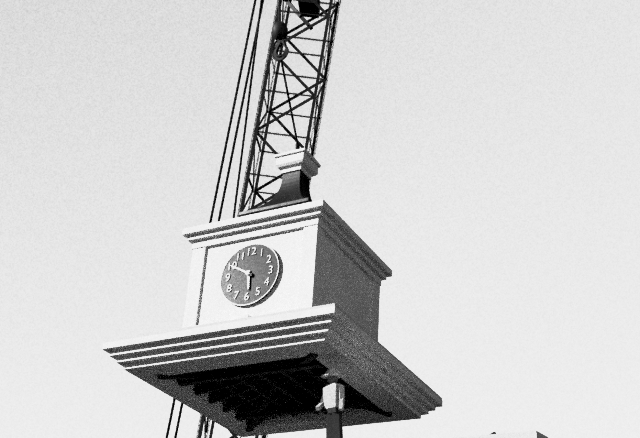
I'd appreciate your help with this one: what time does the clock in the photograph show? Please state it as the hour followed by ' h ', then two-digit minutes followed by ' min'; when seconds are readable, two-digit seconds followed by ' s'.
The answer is 5 h 50 min
